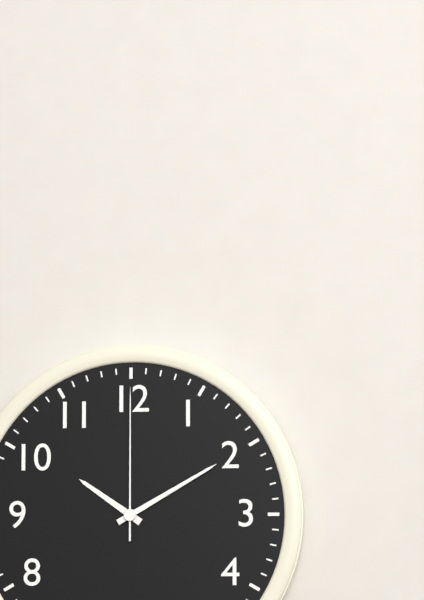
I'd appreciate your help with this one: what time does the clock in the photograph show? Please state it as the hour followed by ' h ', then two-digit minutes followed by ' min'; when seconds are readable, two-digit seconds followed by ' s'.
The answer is 10 h 10 min 00 s
